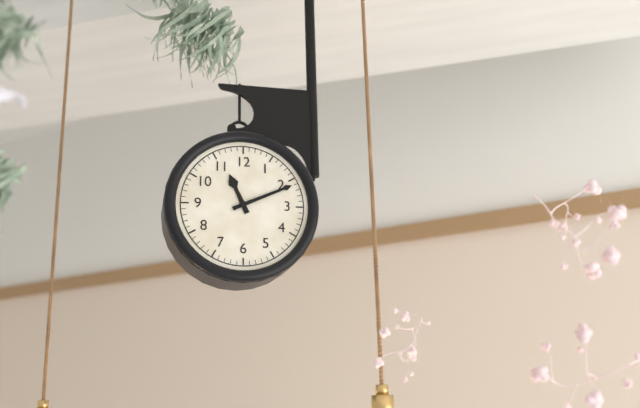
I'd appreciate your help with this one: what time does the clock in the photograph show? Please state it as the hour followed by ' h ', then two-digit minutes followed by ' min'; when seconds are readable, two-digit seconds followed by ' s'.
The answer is 11 h 11 min
